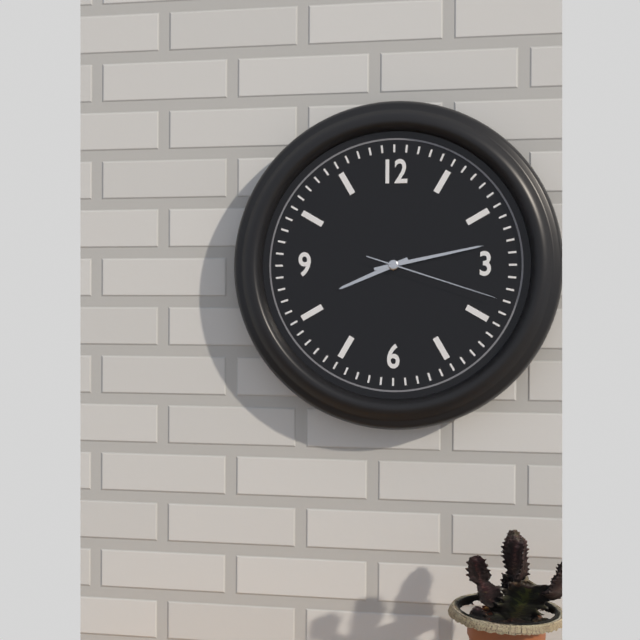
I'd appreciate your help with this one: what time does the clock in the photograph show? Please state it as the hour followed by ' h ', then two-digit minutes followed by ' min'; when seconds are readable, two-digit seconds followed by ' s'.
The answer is 8 h 13 min 18 s
